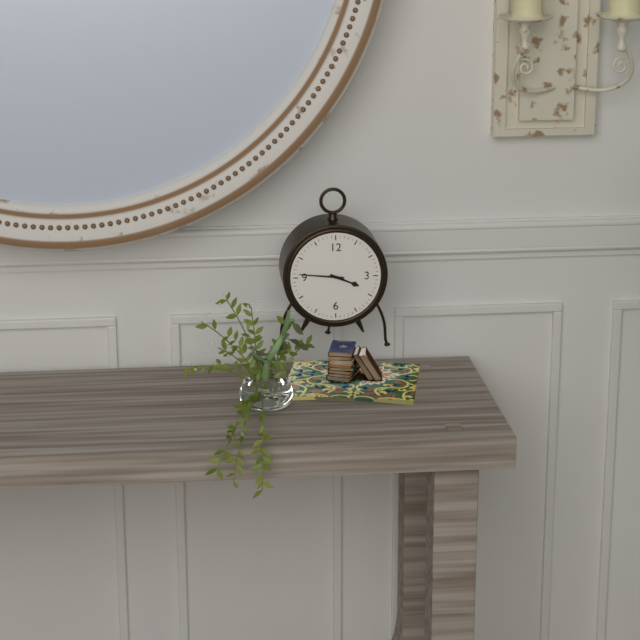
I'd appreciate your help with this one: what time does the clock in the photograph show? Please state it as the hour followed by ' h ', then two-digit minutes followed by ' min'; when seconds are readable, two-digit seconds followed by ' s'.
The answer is 3 h 46 min
